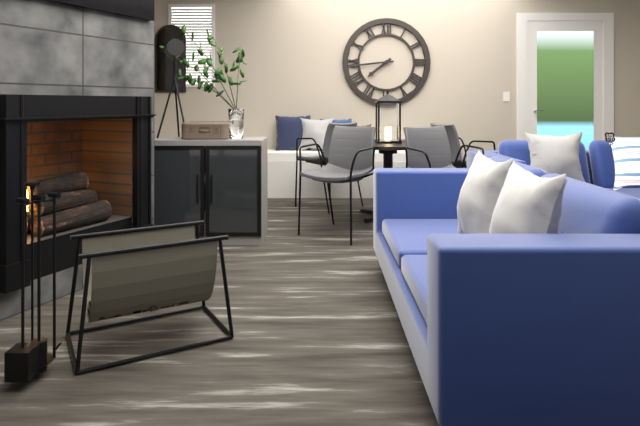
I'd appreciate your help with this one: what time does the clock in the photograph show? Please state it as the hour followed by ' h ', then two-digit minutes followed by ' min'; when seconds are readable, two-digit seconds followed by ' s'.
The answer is 7 h 44 min
